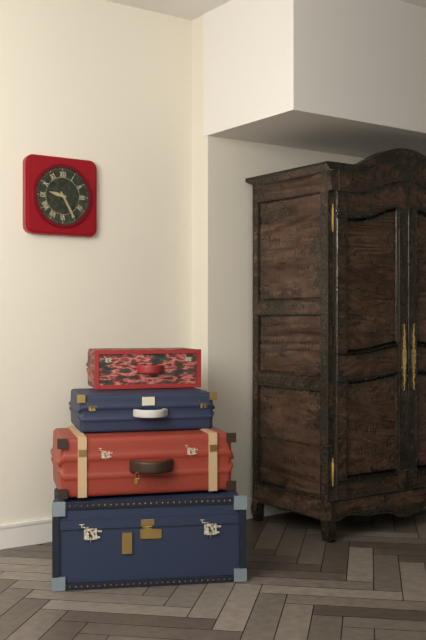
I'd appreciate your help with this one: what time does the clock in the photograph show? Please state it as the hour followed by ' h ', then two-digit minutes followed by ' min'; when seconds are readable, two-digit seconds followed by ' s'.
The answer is 9 h 25 min
